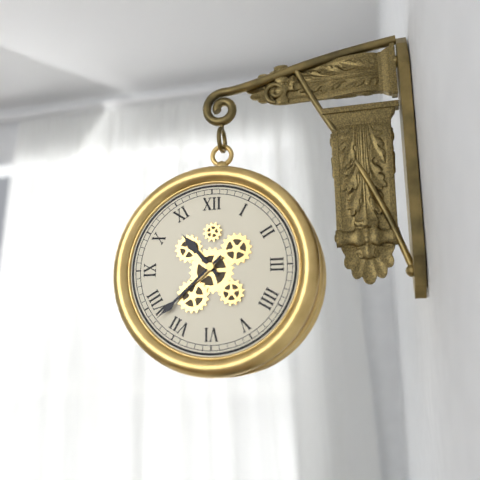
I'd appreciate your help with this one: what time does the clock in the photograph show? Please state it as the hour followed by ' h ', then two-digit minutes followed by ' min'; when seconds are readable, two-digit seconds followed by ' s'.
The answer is 10 h 38 min
